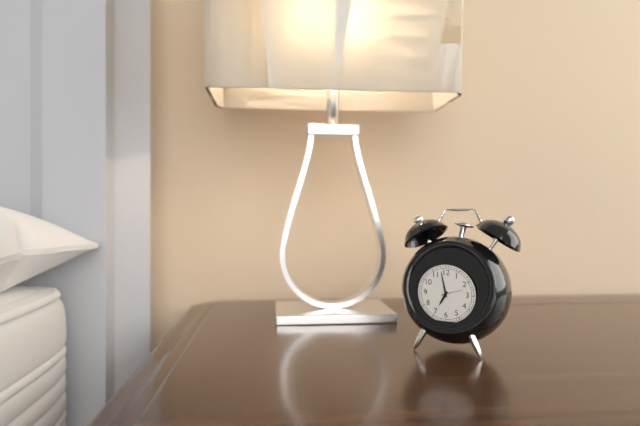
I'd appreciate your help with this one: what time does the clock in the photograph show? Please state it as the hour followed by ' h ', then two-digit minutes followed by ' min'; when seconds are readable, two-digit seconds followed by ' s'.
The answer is 6 h 58 min
